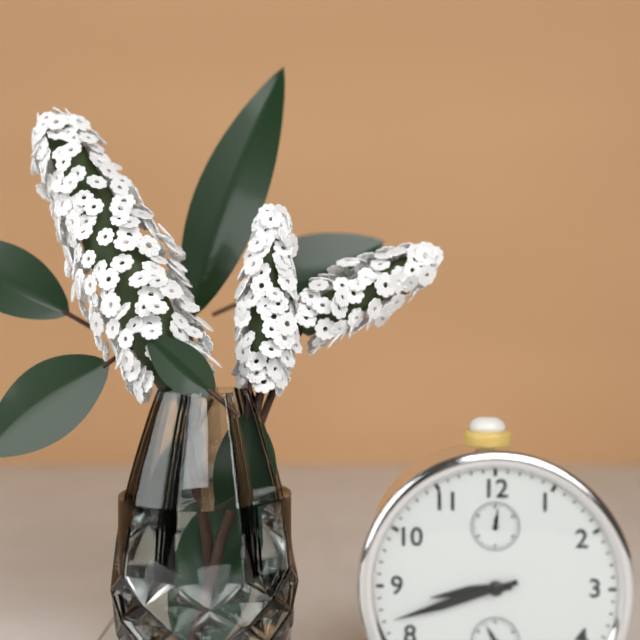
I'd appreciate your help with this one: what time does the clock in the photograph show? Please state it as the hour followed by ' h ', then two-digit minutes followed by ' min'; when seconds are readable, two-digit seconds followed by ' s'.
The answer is 8 h 42 min
